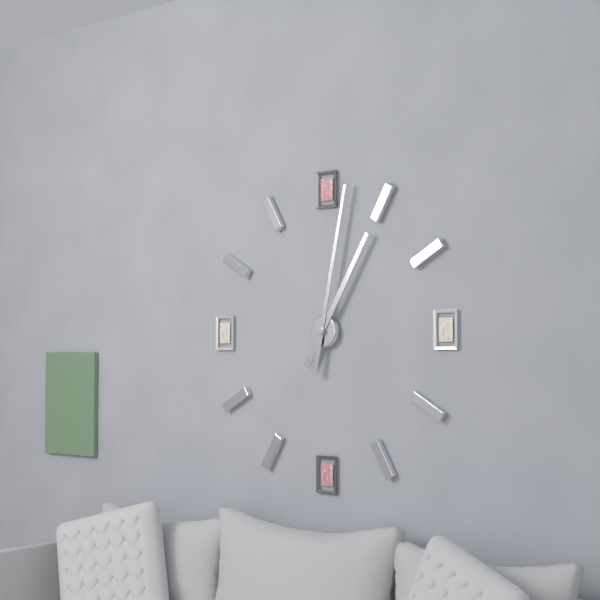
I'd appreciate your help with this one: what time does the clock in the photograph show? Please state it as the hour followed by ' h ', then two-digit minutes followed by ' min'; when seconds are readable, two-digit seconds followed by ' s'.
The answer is 1 h 02 min
